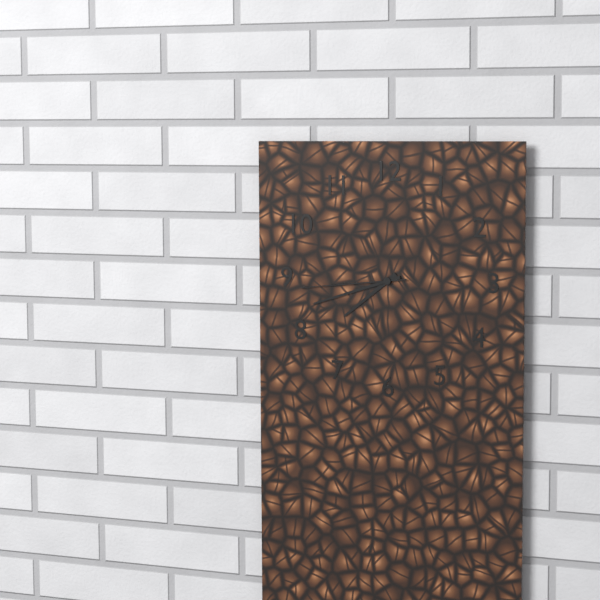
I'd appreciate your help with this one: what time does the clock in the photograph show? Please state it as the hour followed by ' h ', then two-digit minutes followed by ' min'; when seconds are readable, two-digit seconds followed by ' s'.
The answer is 7 h 42 min 44 s
